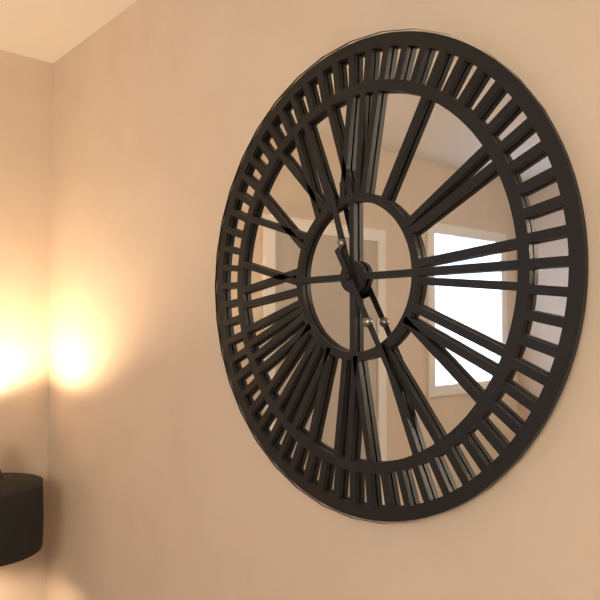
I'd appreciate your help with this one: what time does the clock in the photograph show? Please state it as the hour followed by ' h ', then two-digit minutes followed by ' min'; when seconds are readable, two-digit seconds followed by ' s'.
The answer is 11 h 25 min
